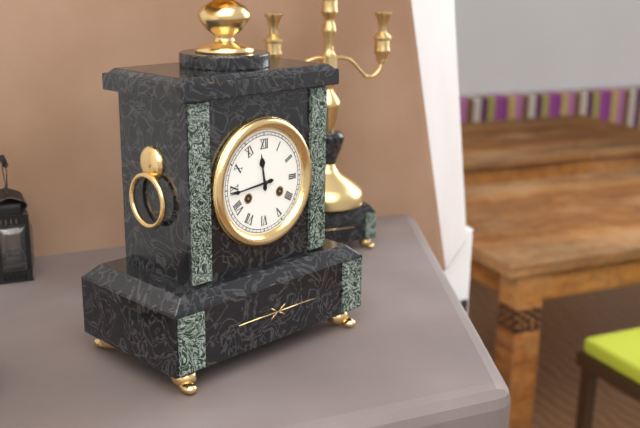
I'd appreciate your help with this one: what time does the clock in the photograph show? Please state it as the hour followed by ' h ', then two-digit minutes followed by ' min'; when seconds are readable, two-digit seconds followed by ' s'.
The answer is 11 h 44 min
